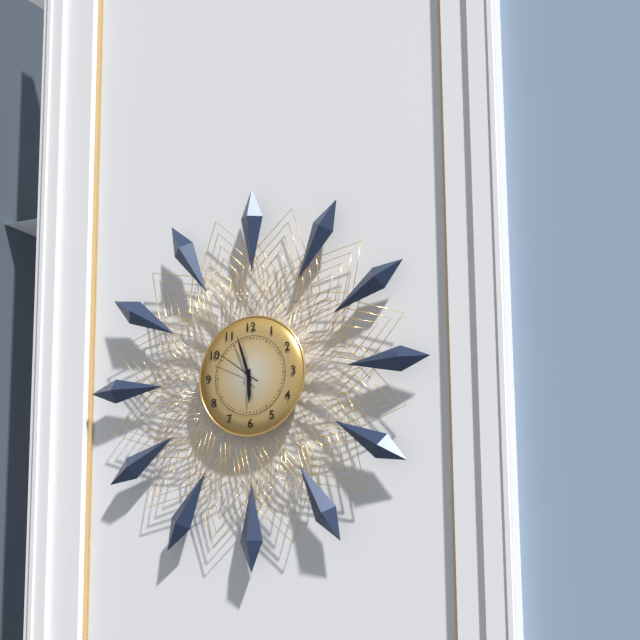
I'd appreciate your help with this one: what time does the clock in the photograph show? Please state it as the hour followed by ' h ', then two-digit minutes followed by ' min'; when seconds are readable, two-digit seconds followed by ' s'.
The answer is 5 h 57 min
